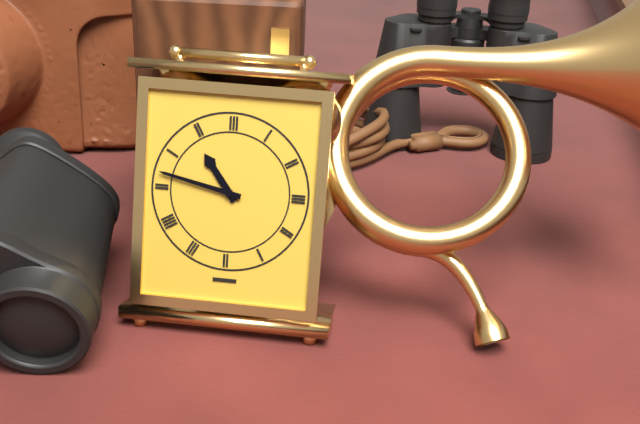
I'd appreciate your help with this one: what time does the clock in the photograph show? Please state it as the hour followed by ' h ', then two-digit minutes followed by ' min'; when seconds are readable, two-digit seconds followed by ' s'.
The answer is 10 h 47 min
